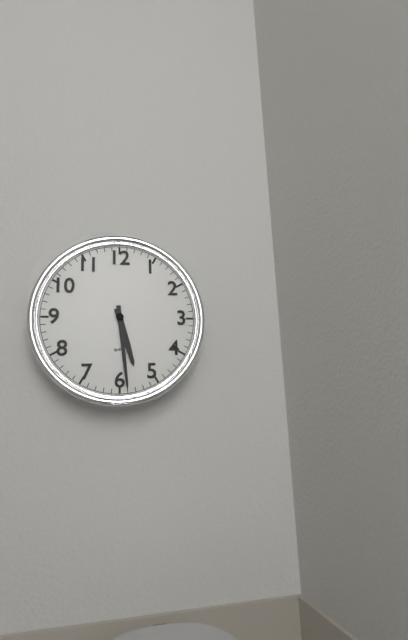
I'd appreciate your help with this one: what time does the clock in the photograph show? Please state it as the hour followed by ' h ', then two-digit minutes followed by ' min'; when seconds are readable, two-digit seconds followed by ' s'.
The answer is 5 h 29 min
